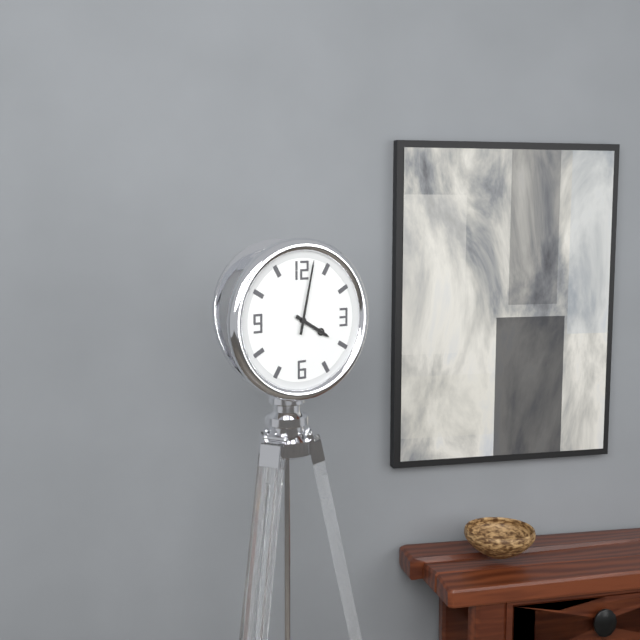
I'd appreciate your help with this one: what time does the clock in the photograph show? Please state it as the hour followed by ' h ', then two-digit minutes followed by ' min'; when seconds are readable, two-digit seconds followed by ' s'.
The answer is 4 h 02 min
